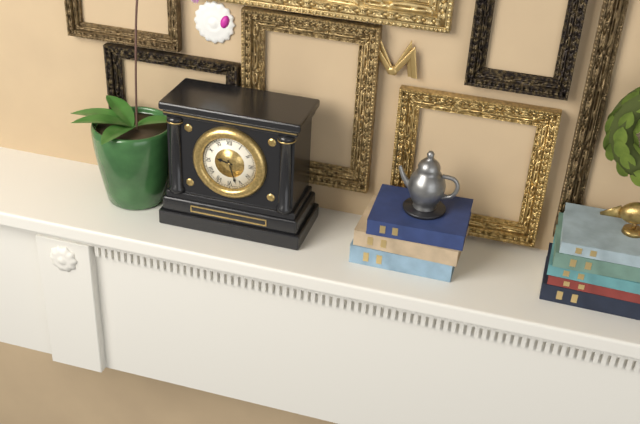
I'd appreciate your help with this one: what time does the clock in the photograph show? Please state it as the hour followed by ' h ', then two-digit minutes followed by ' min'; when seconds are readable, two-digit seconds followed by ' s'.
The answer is 9 h 27 min
